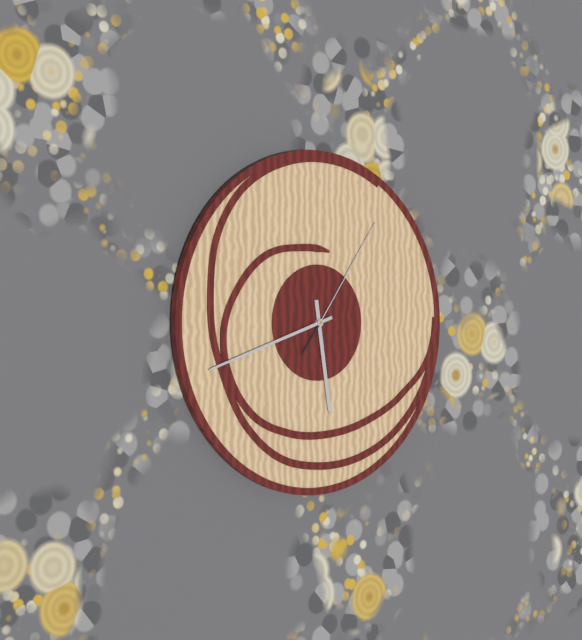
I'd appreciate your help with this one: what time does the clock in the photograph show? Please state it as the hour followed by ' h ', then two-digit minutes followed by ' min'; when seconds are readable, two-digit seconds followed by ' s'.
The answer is 5 h 42 min 06 s
